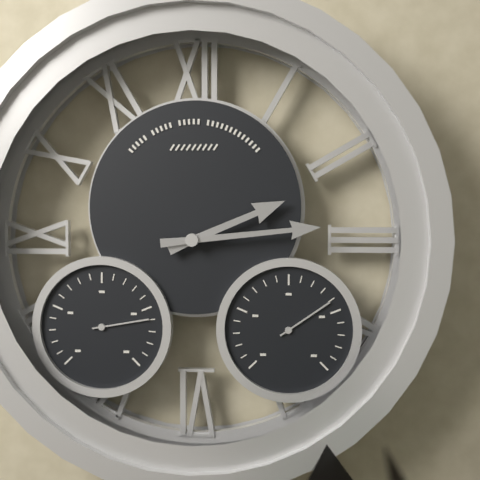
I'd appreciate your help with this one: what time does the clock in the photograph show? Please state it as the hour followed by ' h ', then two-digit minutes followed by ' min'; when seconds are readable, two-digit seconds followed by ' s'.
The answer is 2 h 14 min
